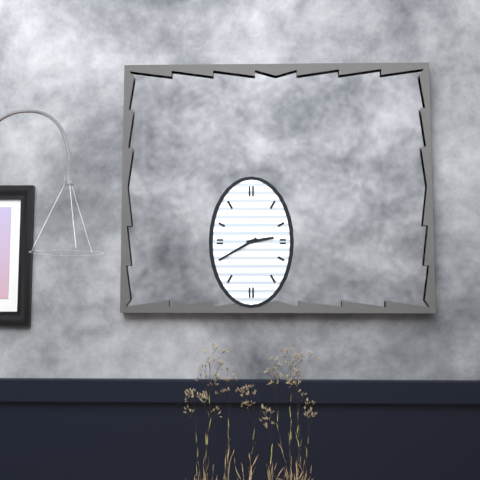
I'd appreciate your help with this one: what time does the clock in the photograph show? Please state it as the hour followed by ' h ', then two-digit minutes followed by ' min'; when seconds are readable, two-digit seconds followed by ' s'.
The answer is 2 h 40 min
